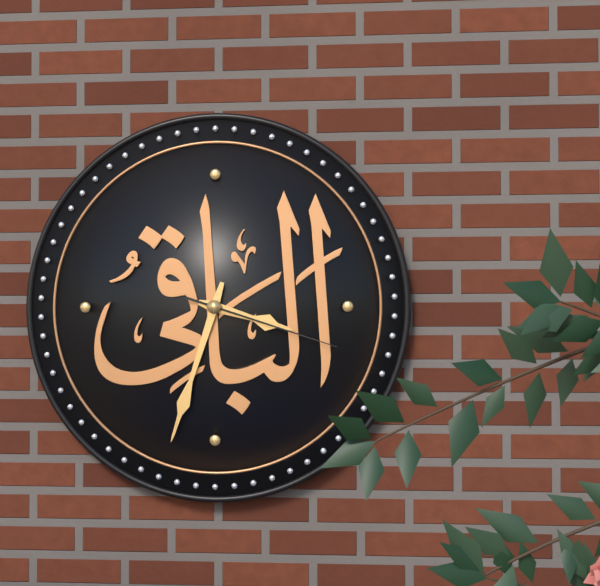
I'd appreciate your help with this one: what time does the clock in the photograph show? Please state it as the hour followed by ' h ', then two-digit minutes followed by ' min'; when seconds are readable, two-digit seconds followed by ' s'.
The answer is 3 h 33 min 18 s
